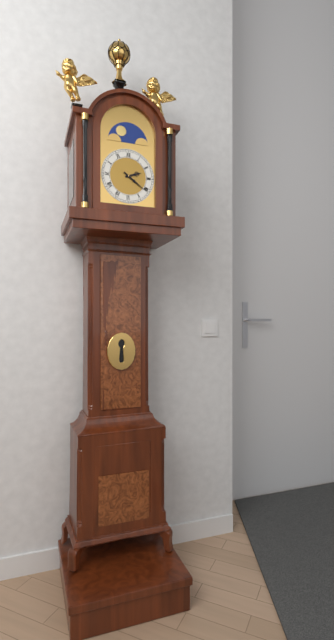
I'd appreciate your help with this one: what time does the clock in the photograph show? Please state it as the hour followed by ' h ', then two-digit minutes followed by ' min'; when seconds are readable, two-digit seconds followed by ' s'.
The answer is 2 h 21 min
